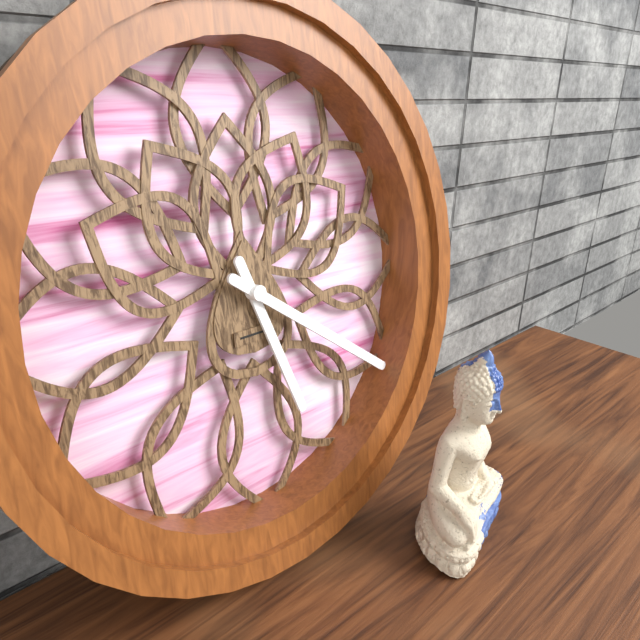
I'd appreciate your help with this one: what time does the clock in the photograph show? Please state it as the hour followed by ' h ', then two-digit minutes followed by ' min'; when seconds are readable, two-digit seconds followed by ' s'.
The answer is 5 h 21 min
